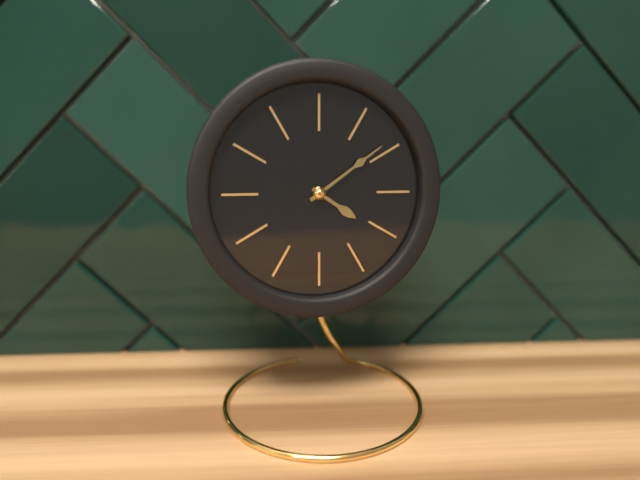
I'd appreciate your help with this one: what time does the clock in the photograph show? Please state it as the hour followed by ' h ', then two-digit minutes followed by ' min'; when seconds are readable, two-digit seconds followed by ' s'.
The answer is 4 h 09 min
